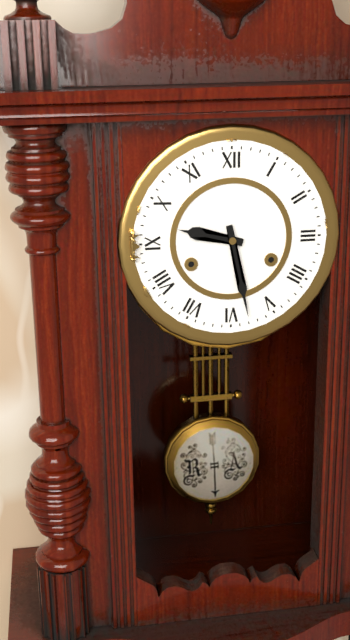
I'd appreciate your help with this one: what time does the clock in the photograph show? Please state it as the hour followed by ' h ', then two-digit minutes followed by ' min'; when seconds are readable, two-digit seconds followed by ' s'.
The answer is 9 h 28 min
